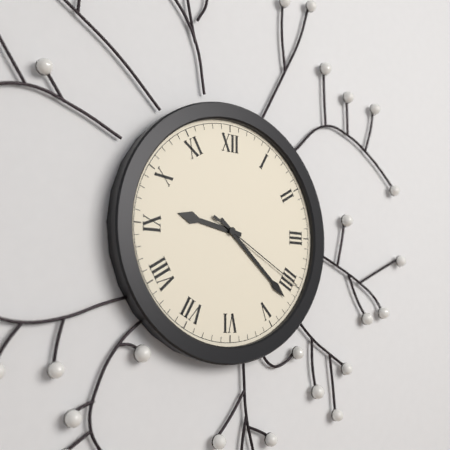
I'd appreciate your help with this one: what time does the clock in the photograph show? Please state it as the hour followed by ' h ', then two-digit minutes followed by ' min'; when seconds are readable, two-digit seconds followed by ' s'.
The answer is 9 h 22 min 20 s
